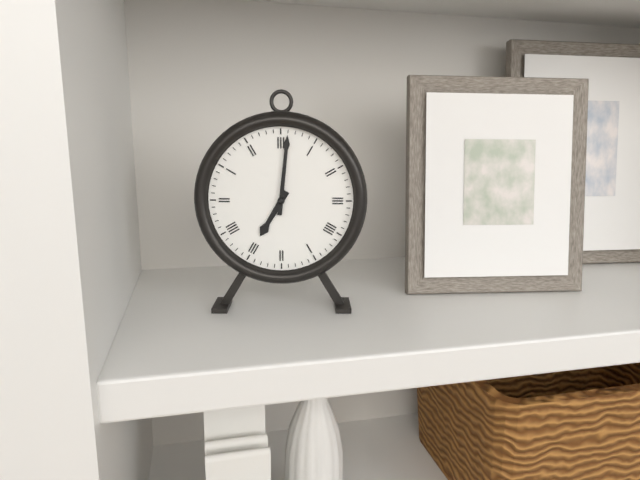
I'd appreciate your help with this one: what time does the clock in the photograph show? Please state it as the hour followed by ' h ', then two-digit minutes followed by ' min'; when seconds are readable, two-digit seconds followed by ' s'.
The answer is 7 h 01 min
